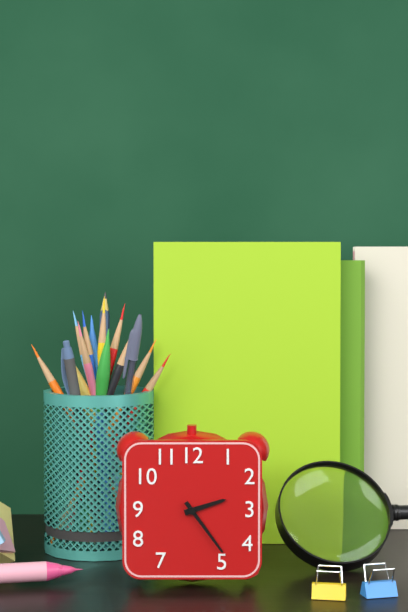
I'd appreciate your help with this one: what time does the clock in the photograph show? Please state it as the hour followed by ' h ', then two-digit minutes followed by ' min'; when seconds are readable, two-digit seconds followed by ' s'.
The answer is 2 h 24 min
